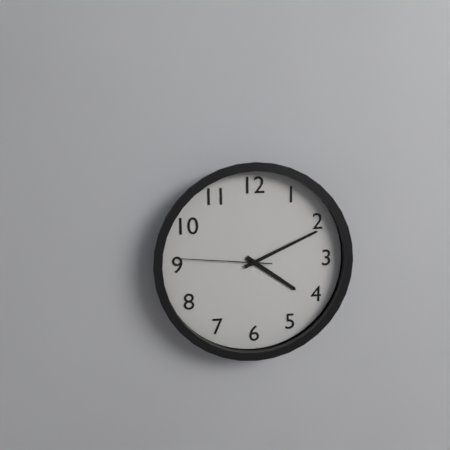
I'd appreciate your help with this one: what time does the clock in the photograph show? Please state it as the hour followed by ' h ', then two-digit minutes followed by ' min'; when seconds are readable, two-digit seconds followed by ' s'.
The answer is 4 h 11 min 46 s
